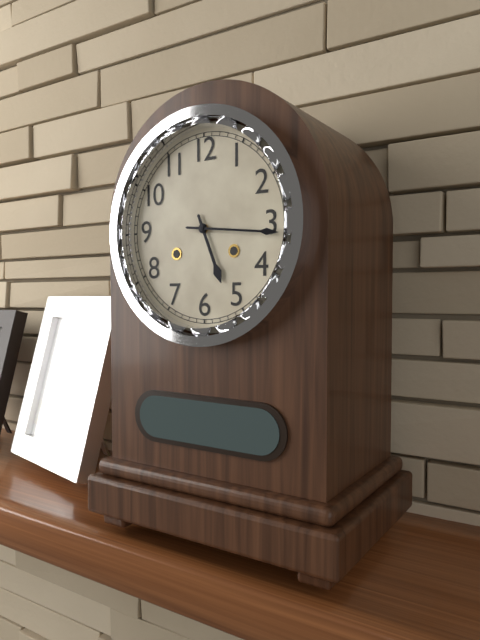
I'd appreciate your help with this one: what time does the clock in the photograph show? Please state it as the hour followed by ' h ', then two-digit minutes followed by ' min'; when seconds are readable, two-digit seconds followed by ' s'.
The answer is 5 h 16 min
